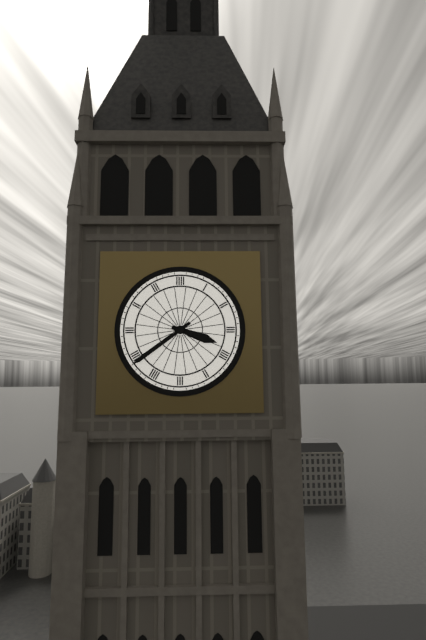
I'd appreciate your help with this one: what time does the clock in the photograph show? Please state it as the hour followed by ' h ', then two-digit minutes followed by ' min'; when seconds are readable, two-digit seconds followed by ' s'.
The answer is 3 h 39 min
